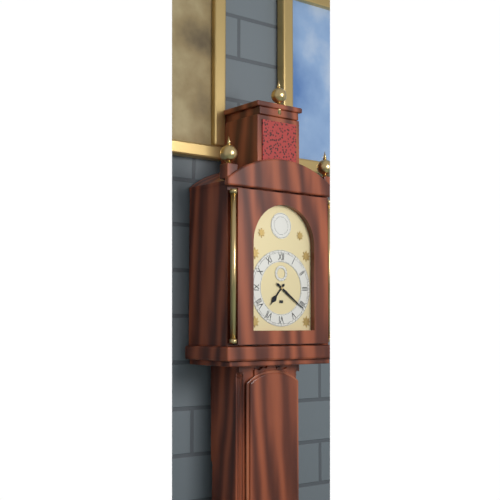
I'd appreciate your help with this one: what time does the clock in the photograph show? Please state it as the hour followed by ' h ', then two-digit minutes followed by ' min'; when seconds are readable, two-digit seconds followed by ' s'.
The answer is 7 h 21 min
